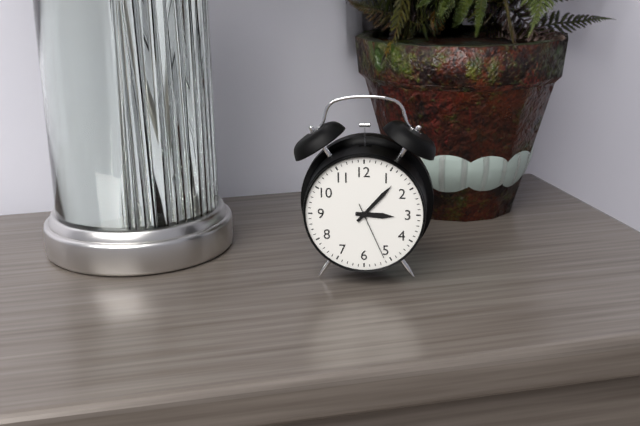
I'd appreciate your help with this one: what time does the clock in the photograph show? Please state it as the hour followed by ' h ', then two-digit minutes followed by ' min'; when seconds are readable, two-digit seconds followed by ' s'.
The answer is 3 h 07 min 26 s
